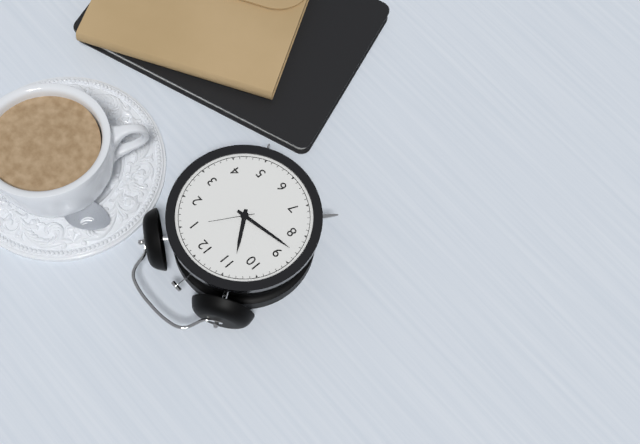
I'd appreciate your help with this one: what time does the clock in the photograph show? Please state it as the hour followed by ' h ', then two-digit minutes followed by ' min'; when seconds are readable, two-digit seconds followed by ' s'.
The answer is 10 h 43 min
